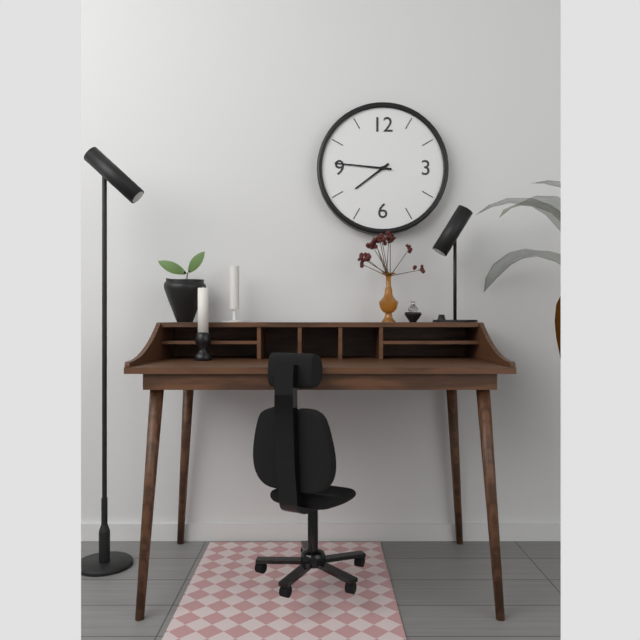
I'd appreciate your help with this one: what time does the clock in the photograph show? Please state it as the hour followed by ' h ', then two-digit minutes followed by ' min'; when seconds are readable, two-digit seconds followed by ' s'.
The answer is 7 h 46 min
